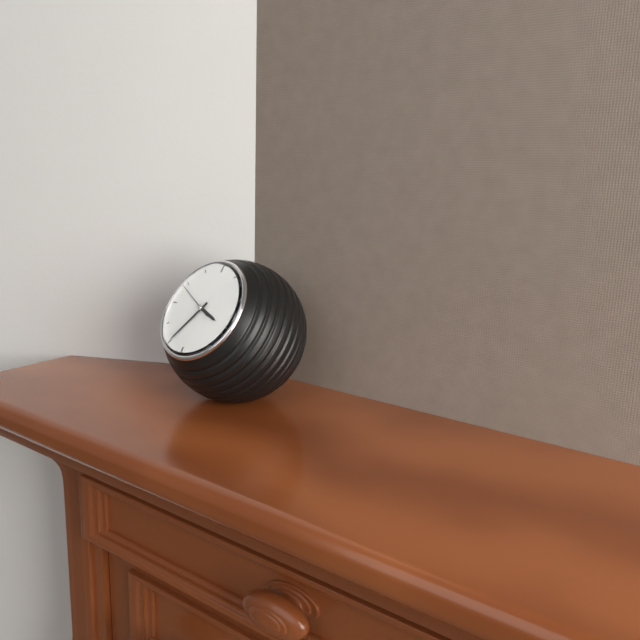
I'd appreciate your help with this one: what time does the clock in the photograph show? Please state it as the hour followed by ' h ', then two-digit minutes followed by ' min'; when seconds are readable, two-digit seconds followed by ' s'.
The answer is 3 h 35 min 49 s
